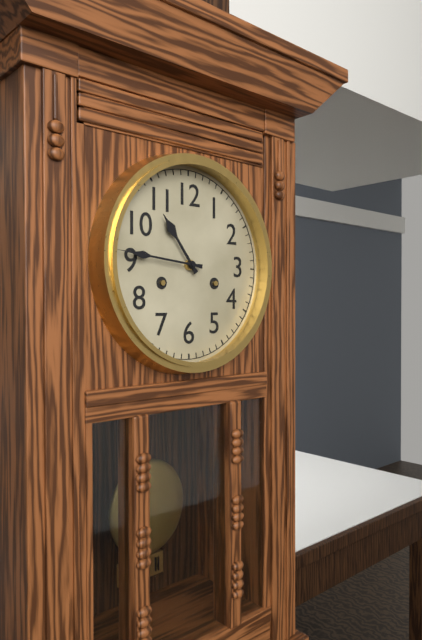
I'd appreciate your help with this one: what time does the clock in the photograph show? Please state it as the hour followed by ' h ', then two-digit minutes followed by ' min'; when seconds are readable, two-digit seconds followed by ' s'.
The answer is 10 h 46 min
